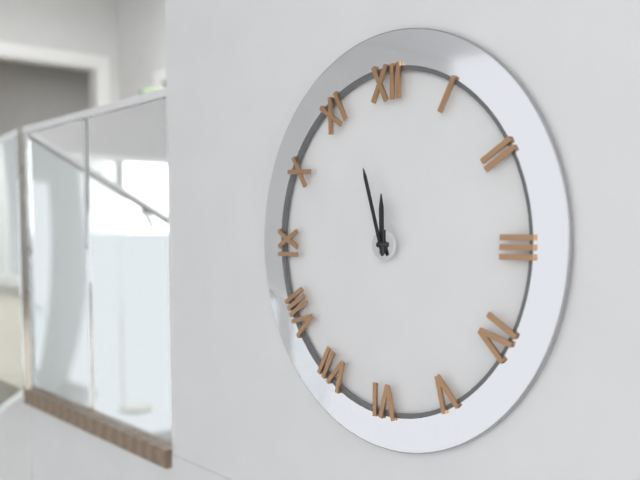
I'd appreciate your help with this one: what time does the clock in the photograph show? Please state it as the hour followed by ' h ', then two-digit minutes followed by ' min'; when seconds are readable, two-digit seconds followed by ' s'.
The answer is 11 h 57 min
